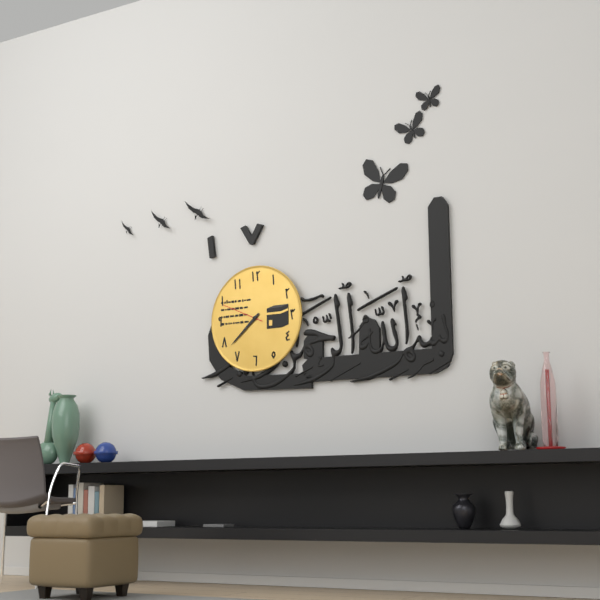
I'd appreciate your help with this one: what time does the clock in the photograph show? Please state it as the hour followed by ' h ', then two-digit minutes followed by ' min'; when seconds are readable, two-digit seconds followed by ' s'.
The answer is 7 h 38 min
